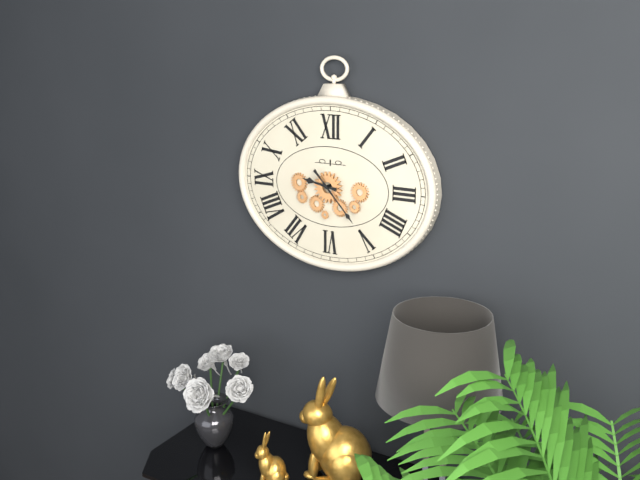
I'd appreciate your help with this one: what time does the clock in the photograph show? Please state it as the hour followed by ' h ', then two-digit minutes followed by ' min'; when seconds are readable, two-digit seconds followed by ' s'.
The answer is 9 h 23 min
